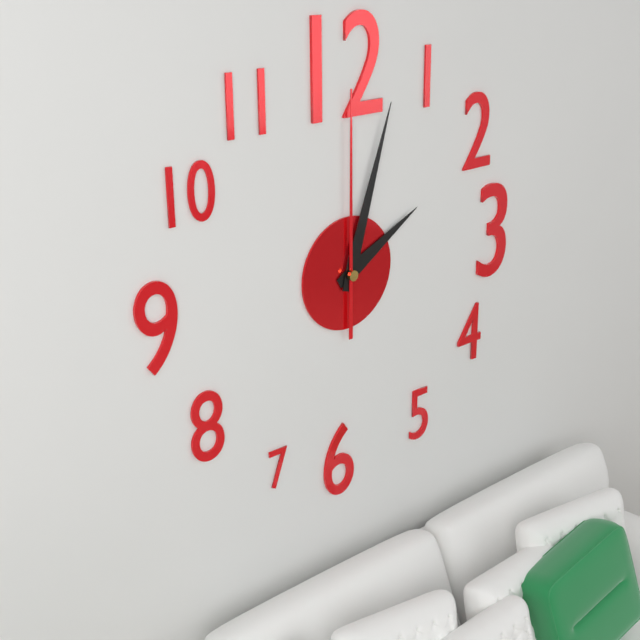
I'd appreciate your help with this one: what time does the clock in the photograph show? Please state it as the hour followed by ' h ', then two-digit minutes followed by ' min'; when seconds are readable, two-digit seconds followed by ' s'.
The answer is 2 h 03 min 00 s
